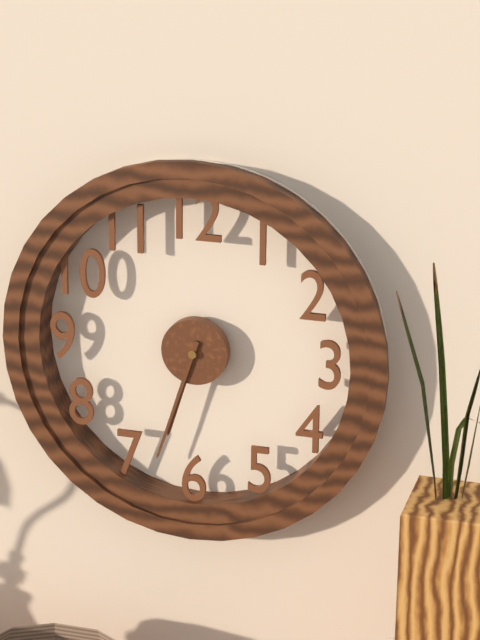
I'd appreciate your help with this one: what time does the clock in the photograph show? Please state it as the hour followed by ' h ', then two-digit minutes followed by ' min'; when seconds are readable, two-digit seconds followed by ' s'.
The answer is 6 h 33 min
